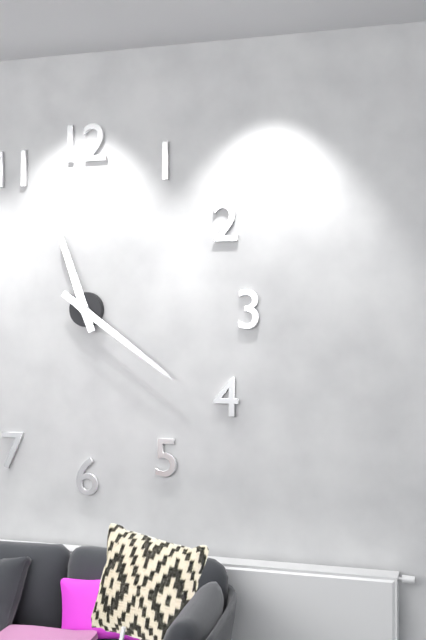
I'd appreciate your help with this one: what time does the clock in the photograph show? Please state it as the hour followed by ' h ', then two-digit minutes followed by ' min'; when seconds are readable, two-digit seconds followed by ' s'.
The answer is 11 h 21 min
